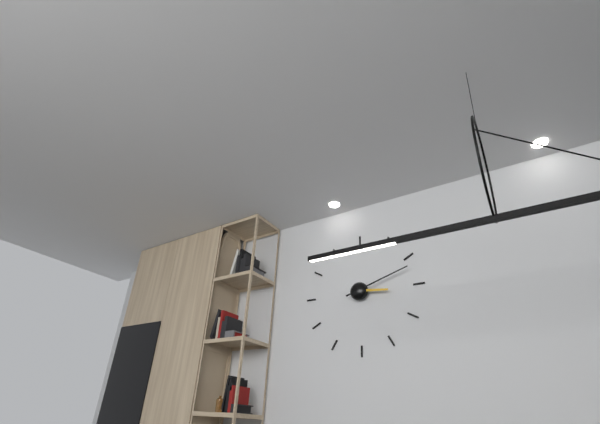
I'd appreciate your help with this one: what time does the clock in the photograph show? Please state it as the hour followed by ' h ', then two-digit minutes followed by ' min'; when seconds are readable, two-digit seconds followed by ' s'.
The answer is 3 h 12 min
